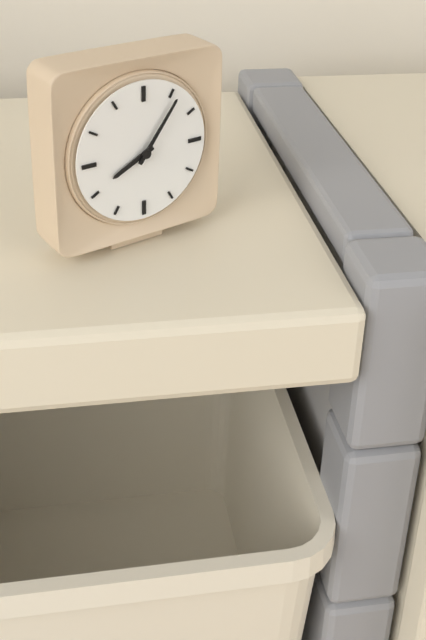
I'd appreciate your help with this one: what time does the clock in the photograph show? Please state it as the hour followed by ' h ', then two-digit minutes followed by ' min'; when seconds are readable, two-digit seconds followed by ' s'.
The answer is 8 h 06 min
